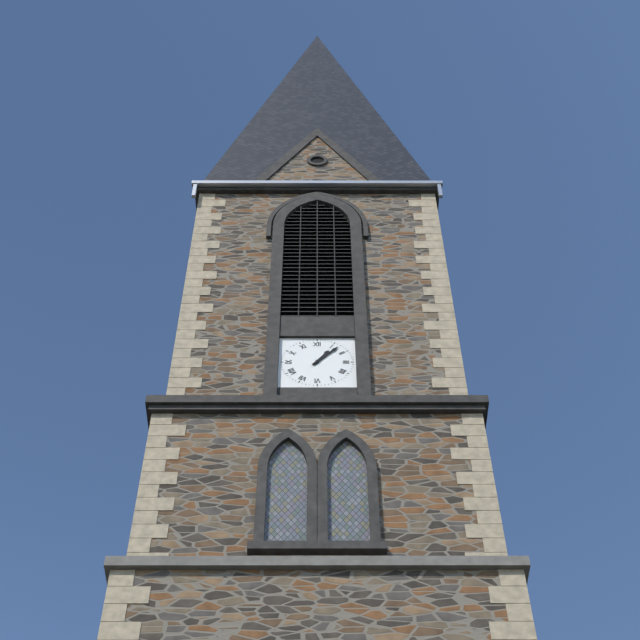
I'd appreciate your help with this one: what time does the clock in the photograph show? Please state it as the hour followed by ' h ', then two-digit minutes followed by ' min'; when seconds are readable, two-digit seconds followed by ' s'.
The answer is 1 h 07 min
